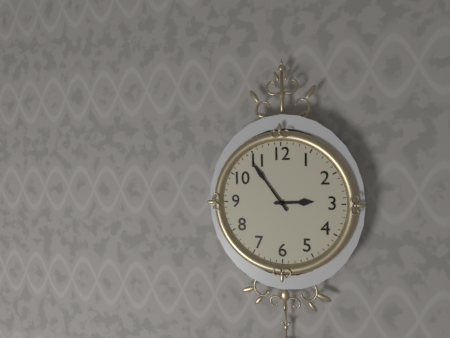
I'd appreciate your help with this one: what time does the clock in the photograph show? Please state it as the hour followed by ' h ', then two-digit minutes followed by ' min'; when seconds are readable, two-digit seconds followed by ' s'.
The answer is 2 h 54 min
